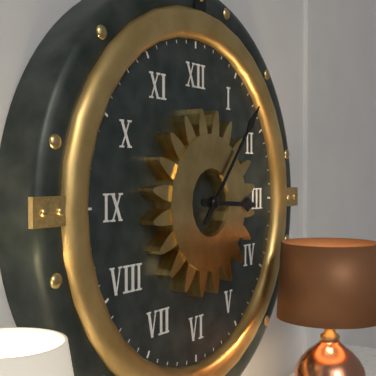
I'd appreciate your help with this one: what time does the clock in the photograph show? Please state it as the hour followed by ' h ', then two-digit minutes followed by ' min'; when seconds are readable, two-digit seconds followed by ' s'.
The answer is 3 h 07 min
